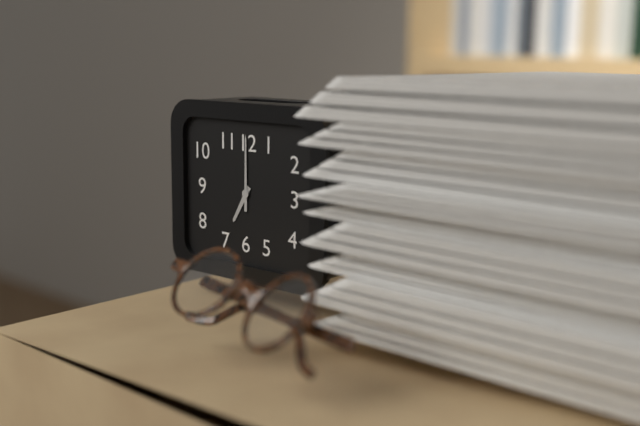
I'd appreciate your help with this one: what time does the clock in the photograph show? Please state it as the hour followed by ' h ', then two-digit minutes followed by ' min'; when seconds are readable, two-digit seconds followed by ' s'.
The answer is 7 h 00 min
